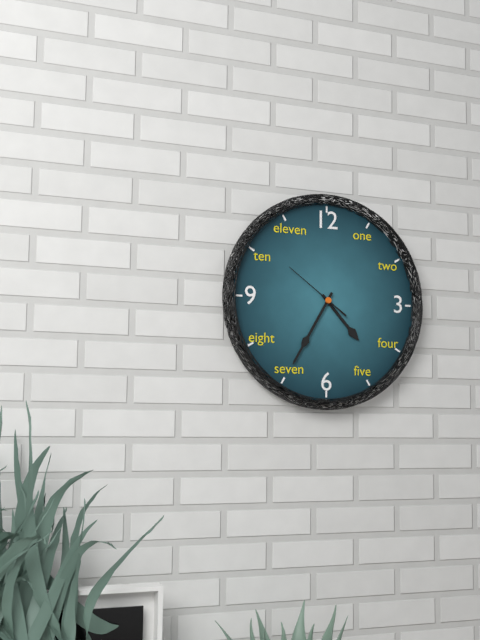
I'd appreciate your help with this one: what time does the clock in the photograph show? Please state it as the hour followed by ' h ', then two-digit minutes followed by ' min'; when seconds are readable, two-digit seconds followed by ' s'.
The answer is 4 h 35 min 51 s
